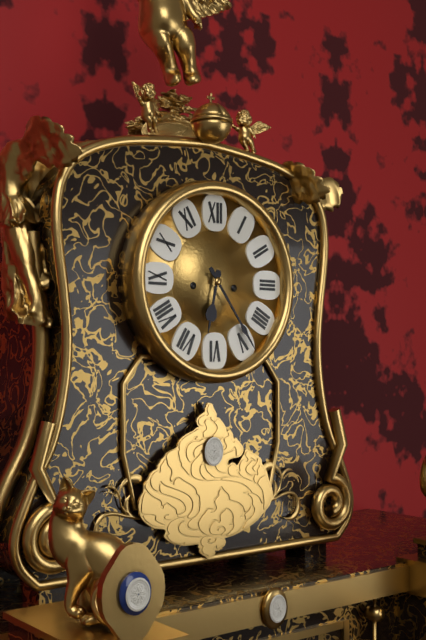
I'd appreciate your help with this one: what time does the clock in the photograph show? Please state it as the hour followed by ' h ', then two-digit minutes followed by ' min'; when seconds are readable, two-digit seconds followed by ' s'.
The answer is 6 h 24 min
